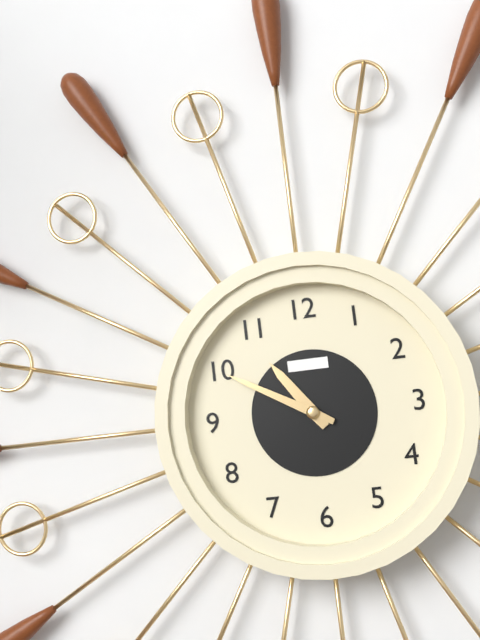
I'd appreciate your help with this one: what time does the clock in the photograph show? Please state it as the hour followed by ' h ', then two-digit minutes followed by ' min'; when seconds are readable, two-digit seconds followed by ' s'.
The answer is 10 h 50 min
